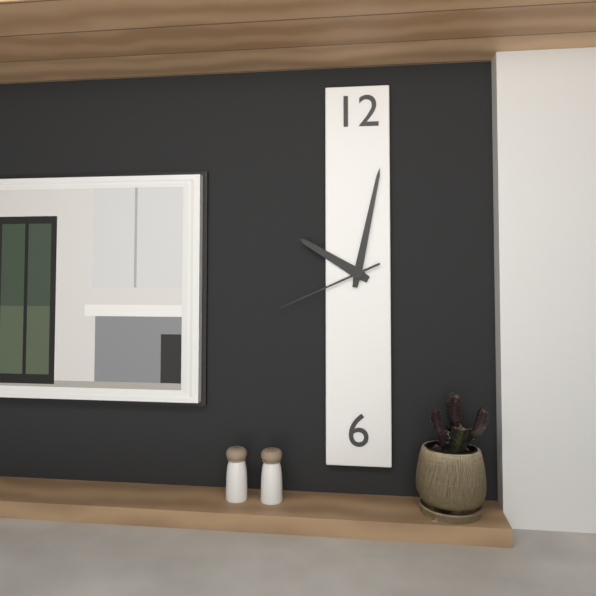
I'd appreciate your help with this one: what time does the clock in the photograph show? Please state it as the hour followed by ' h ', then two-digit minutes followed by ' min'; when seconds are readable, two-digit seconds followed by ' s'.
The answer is 10 h 02 min 41 s
